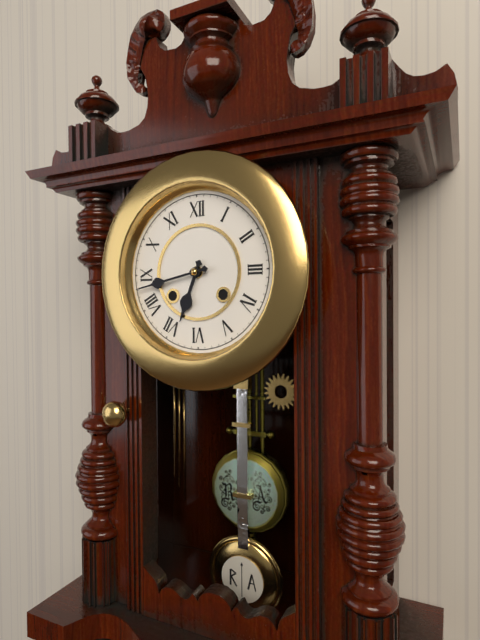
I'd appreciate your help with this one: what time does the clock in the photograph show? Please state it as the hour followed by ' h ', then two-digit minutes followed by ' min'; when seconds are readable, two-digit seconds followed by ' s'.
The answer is 6 h 43 min
